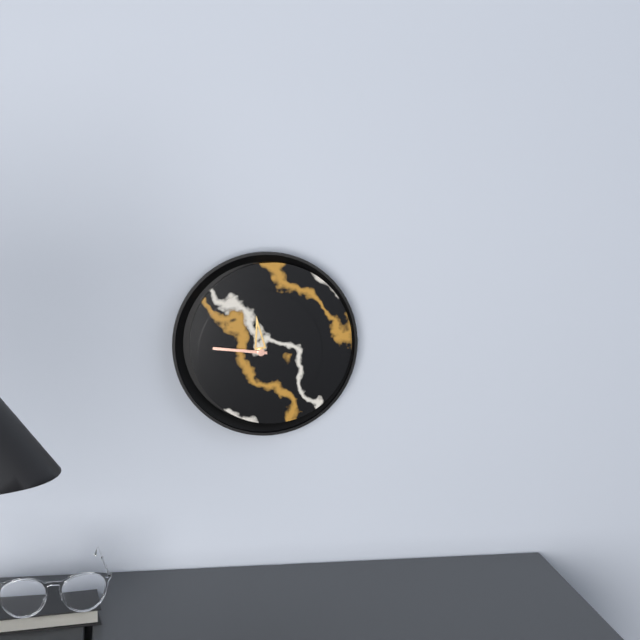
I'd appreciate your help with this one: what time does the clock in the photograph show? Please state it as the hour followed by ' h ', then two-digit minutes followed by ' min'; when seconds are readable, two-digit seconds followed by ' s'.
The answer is 11 h 46 min
